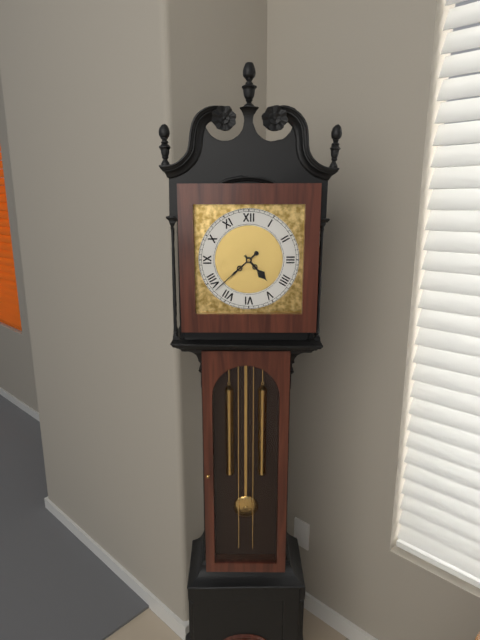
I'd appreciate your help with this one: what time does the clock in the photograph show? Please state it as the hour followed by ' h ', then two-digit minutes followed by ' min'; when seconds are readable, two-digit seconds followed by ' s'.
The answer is 4 h 38 min
